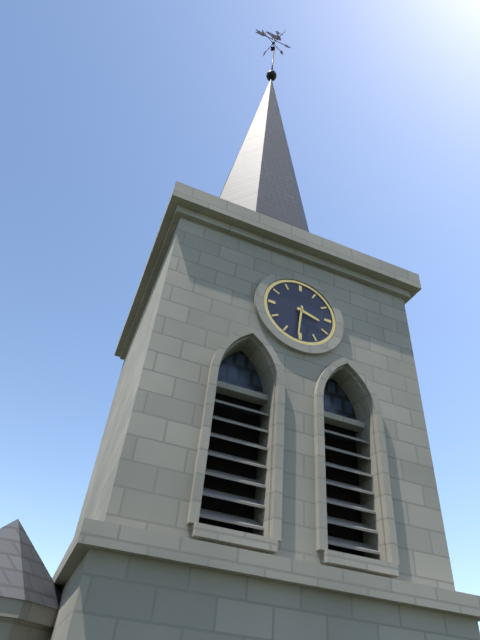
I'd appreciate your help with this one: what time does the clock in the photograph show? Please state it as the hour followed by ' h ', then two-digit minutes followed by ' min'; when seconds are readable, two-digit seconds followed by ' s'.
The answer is 3 h 31 min
